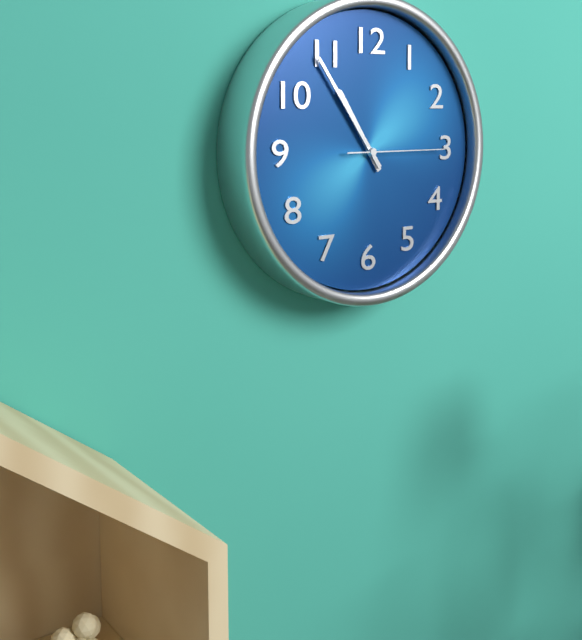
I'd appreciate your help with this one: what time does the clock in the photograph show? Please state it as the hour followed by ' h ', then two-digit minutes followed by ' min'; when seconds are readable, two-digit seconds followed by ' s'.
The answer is 10 h 54 min 15 s
